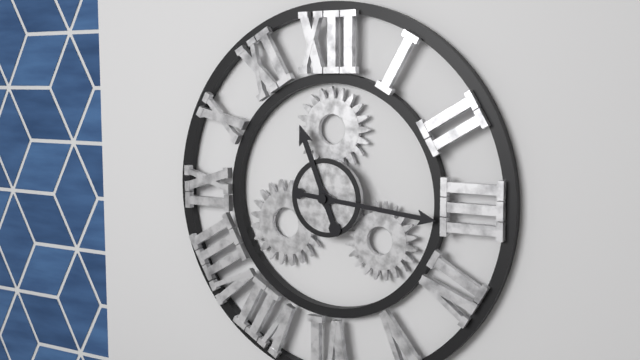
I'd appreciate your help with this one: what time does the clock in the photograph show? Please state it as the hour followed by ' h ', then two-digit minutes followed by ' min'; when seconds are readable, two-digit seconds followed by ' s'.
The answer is 11 h 16 min
